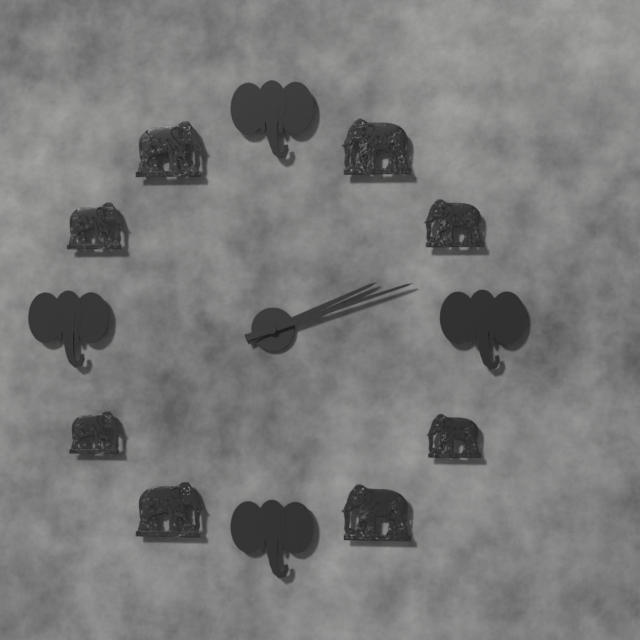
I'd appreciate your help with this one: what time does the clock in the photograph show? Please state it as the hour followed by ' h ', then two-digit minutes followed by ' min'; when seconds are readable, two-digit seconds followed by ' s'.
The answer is 2 h 12 min
